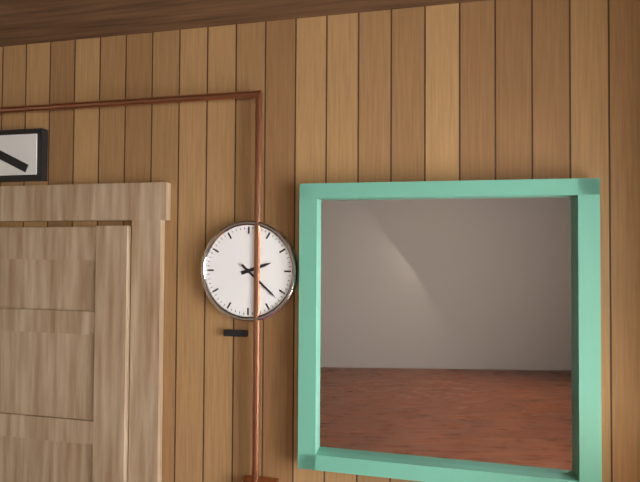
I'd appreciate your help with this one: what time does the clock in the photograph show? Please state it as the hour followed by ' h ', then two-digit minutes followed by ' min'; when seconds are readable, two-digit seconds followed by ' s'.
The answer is 2 h 22 min
